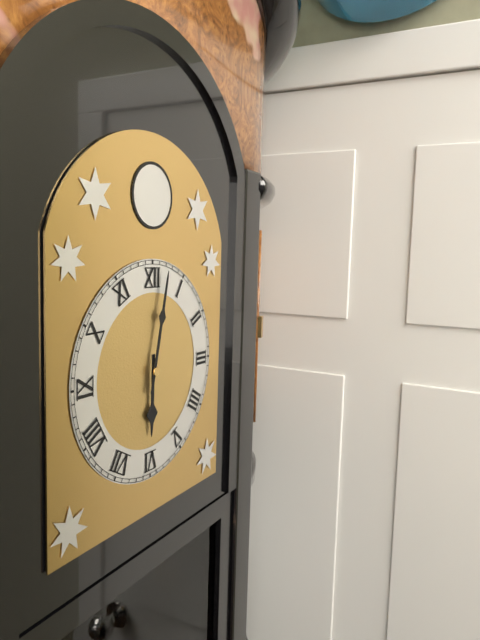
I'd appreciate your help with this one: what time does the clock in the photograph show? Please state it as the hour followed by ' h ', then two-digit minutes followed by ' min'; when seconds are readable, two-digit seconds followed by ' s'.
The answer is 6 h 02 min
